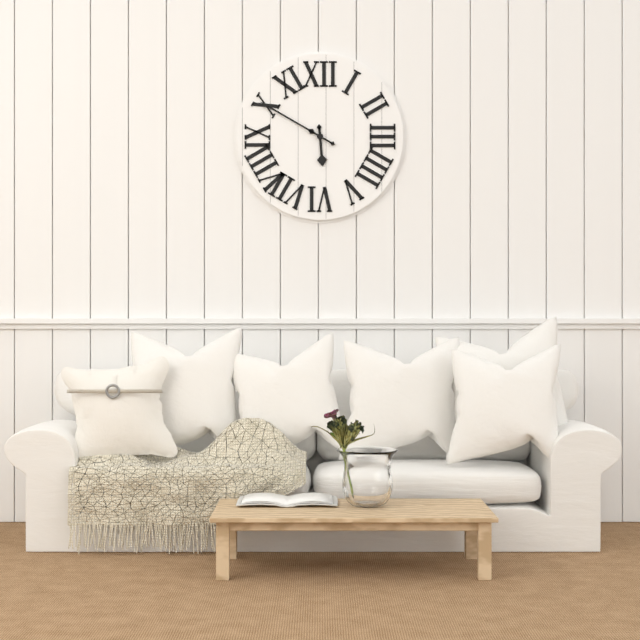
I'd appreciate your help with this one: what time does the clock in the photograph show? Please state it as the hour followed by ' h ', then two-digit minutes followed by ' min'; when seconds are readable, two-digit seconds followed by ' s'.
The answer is 5 h 50 min
